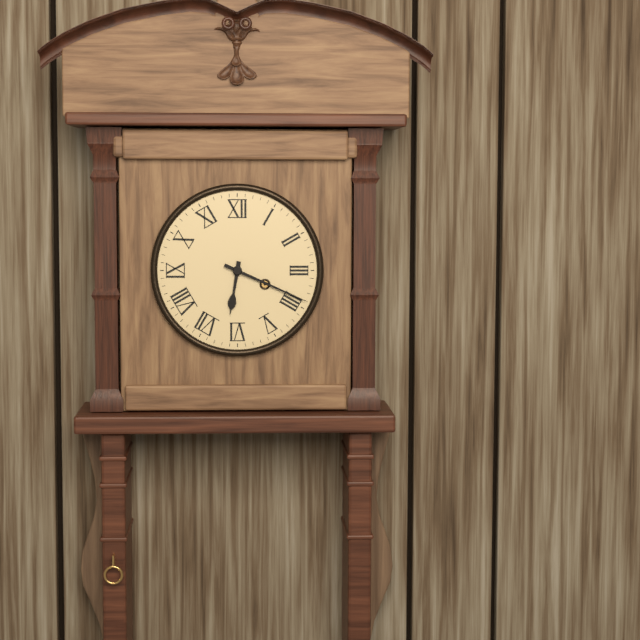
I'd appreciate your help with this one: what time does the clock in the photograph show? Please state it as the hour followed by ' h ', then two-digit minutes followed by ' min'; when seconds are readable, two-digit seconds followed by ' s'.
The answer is 6 h 19 min
